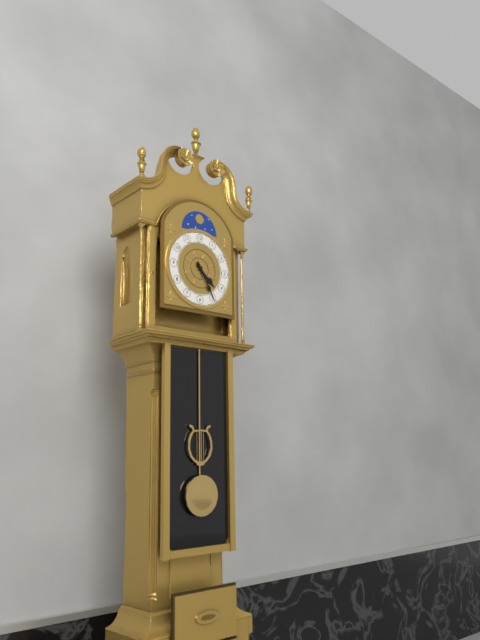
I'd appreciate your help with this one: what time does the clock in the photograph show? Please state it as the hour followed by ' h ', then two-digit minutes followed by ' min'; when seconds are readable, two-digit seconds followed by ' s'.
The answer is 4 h 25 min
